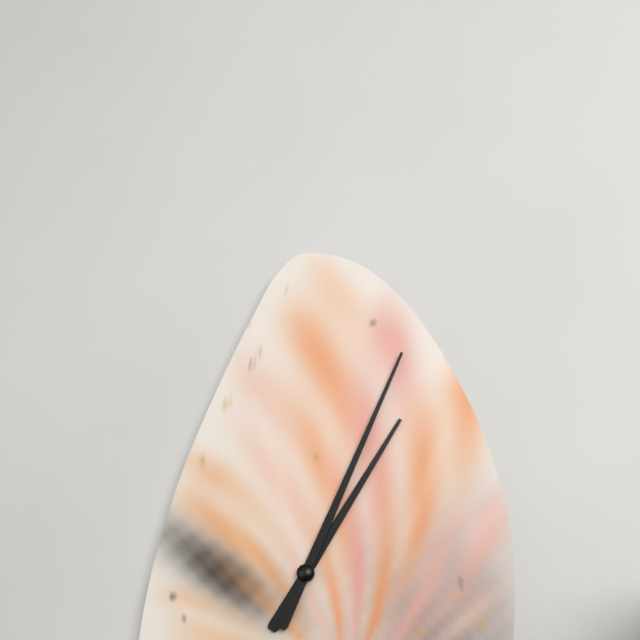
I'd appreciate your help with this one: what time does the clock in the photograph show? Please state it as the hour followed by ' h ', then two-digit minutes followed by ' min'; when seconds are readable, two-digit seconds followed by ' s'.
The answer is 1 h 04 min
